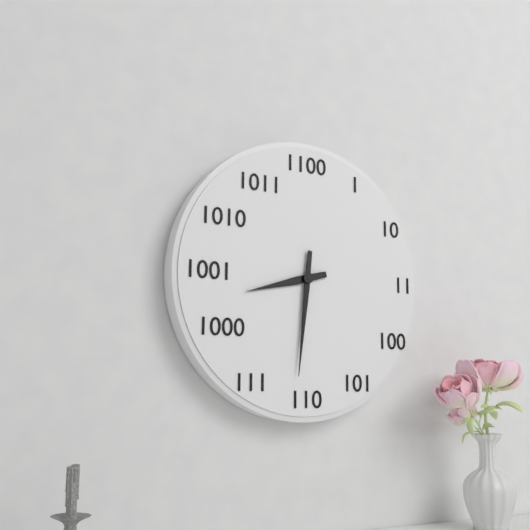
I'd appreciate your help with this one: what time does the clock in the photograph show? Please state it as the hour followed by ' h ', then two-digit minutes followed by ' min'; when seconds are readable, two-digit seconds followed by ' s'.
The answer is 8 h 31 min
